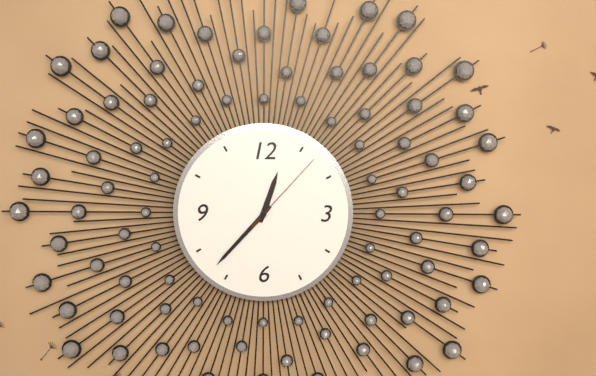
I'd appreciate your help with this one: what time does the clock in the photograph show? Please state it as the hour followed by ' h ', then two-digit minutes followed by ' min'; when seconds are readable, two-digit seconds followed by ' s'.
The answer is 12 h 37 min 07 s
